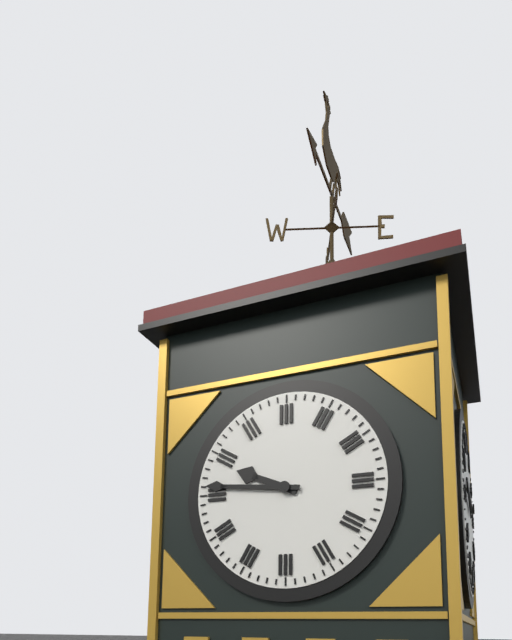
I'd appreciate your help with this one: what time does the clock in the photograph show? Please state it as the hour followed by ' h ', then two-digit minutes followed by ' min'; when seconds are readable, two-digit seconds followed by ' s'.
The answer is 9 h 46 min
